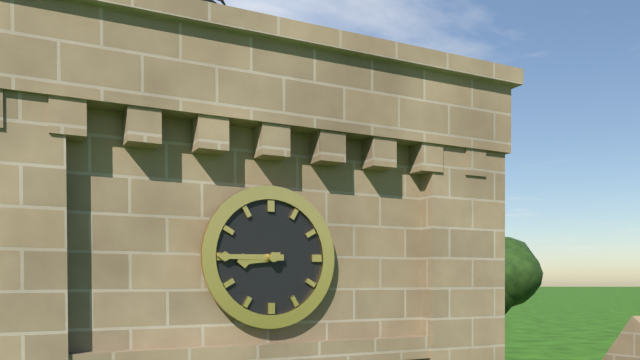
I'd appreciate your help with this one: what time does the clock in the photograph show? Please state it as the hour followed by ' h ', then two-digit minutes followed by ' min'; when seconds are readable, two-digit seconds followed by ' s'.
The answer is 8 h 45 min
